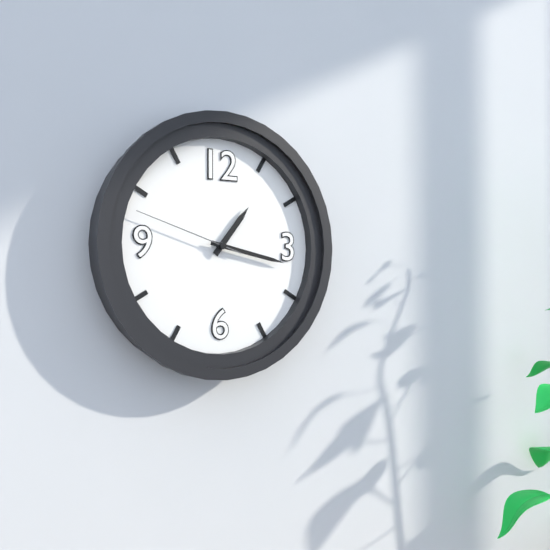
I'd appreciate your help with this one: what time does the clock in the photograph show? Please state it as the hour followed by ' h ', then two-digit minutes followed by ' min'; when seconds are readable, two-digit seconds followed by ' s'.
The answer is 1 h 17 min 48 s
